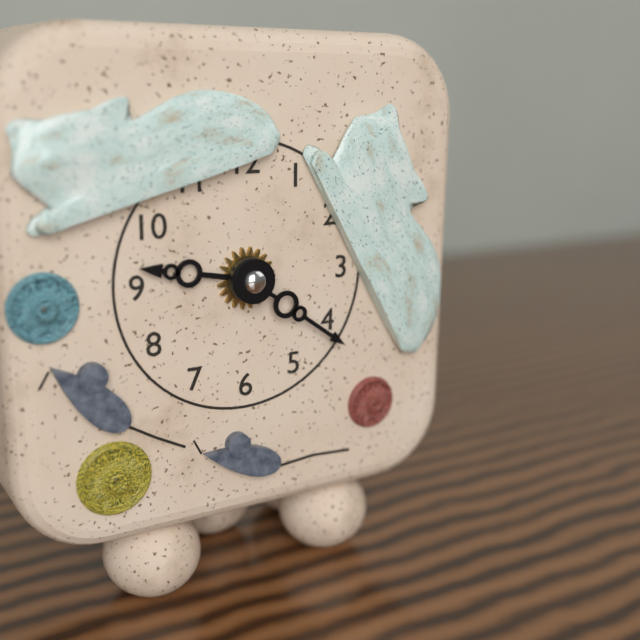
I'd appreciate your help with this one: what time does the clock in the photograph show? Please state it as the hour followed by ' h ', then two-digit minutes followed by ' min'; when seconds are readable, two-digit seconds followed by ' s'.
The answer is 9 h 21 min
